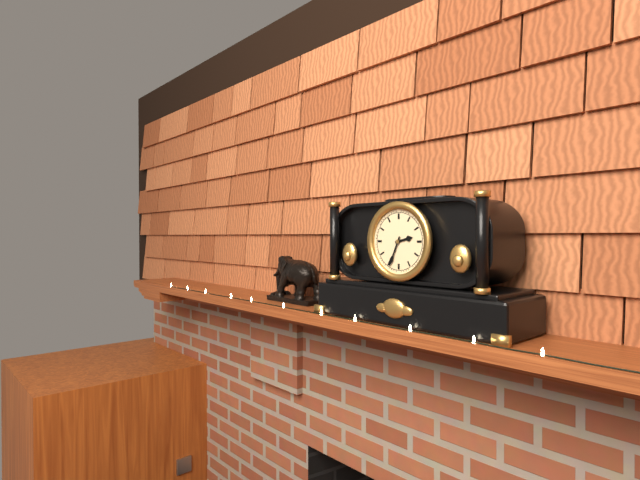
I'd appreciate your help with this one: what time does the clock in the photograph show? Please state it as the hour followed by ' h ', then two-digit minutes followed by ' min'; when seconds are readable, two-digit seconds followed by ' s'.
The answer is 2 h 34 min
